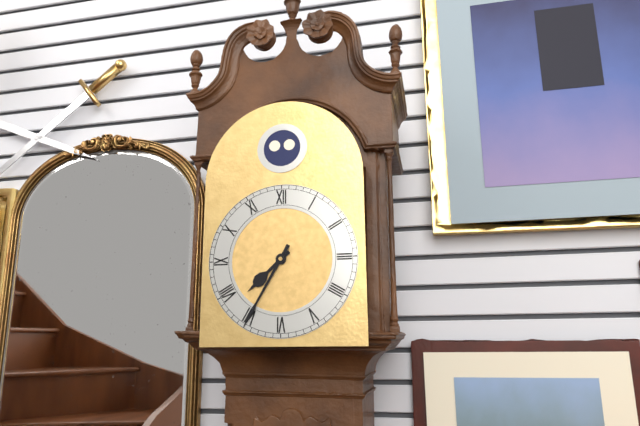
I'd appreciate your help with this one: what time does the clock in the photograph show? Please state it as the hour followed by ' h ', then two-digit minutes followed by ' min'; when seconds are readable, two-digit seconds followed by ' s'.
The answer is 7 h 35 min
